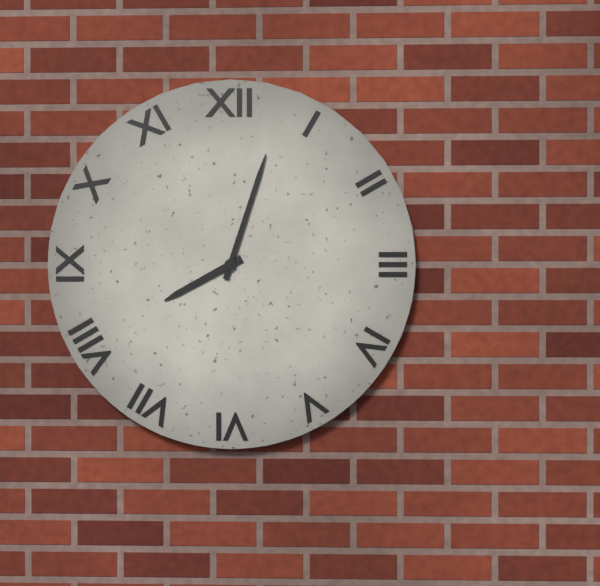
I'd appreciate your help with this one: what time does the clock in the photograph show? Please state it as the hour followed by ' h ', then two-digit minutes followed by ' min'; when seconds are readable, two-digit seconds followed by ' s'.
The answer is 8 h 03 min
